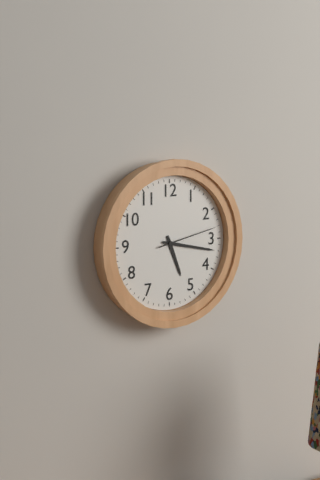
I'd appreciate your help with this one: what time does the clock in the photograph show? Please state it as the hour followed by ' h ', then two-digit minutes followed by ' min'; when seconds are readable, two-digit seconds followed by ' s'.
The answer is 5 h 17 min 13 s
